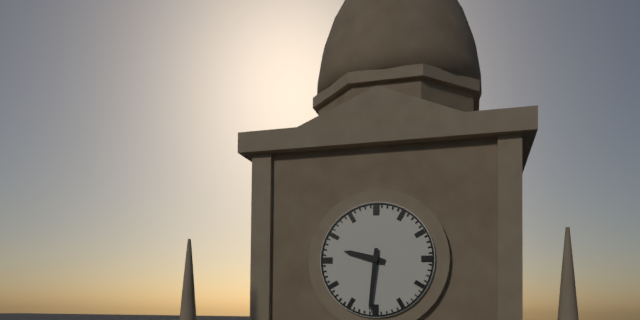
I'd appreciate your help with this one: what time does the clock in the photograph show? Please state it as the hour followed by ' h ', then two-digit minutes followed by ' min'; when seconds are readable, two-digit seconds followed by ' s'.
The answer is 9 h 31 min
